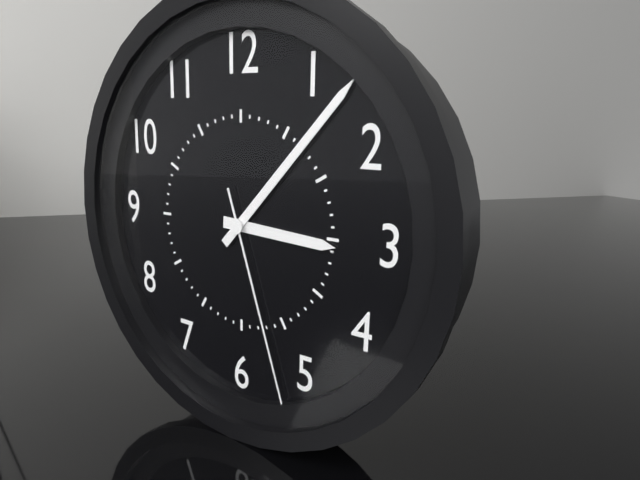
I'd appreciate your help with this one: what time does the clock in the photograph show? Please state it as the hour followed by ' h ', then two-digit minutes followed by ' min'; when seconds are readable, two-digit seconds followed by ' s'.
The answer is 3 h 07 min 27 s
